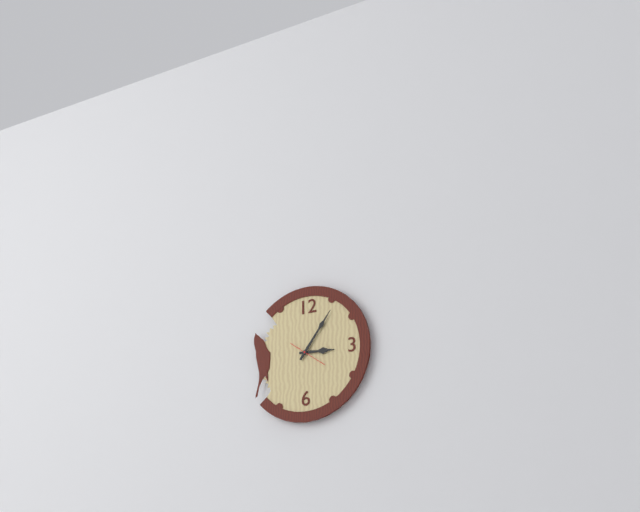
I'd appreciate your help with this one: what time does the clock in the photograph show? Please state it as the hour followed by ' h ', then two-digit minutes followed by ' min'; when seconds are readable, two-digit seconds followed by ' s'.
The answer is 3 h 06 min
